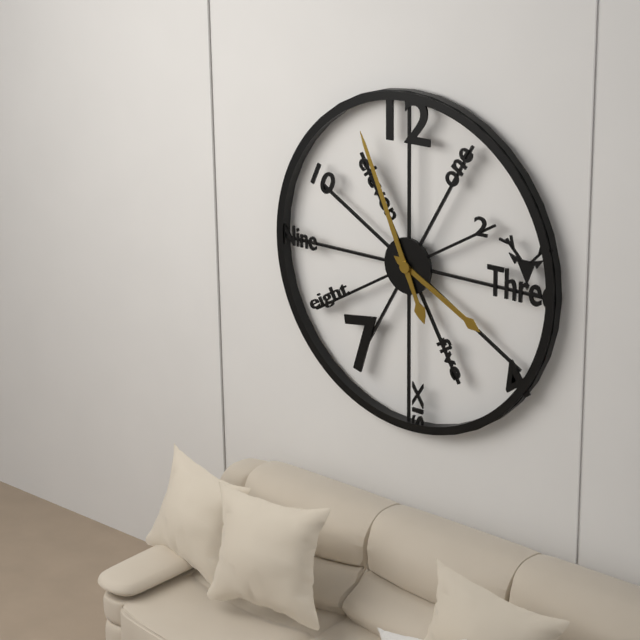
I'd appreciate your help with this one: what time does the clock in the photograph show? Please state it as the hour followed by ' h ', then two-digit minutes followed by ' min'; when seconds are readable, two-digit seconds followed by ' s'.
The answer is 3 h 56 min
